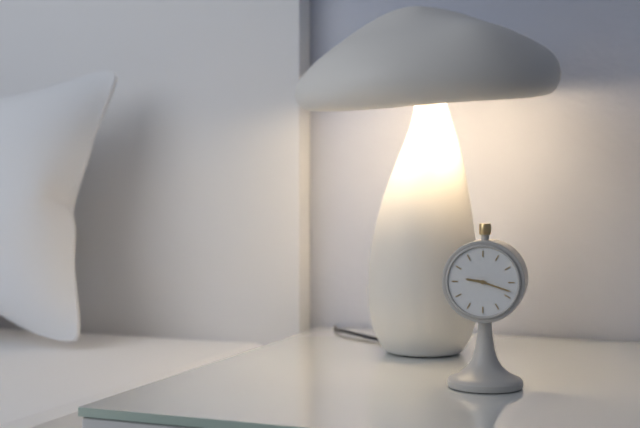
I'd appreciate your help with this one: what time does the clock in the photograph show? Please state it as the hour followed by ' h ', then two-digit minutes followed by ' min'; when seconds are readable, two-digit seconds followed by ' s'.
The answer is 9 h 18 min
